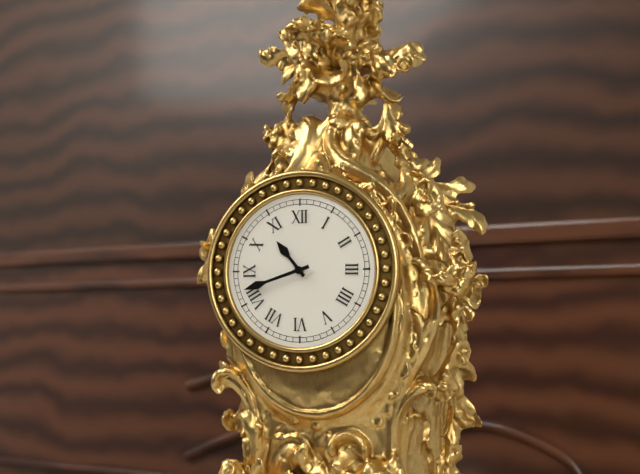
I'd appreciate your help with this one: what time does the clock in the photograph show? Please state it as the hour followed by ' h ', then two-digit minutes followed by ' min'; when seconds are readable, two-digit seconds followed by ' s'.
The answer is 10 h 42 min
